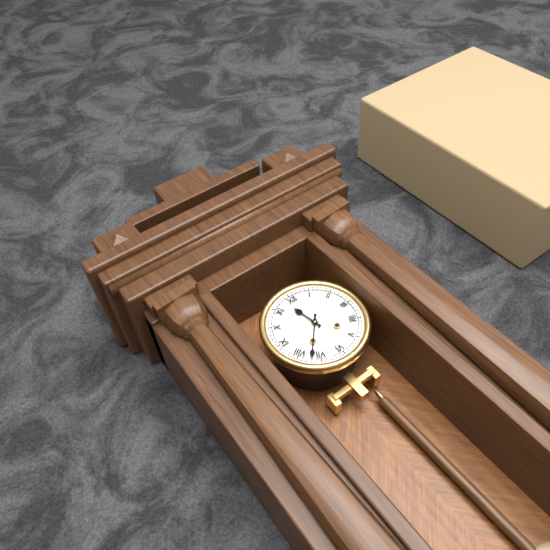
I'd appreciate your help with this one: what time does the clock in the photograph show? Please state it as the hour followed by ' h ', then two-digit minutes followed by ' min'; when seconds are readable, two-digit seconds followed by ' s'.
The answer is 11 h 37 min
